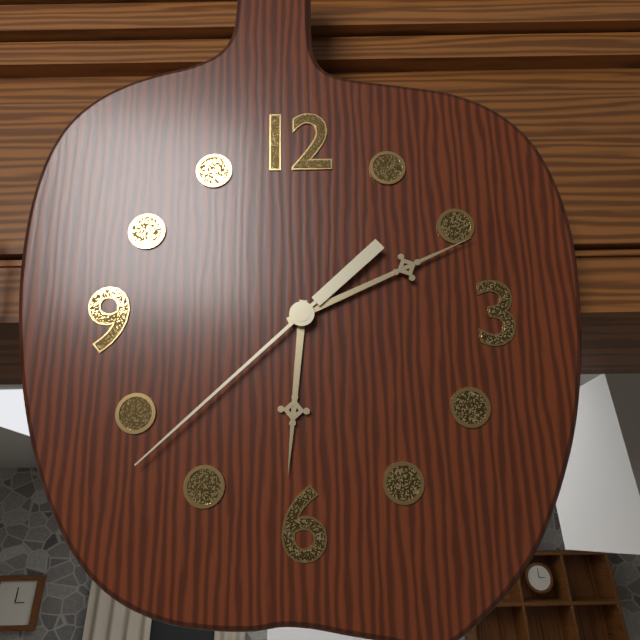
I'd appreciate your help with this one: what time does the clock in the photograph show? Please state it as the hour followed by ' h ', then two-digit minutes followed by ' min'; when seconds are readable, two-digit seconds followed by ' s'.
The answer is 6 h 11 min 38 s
